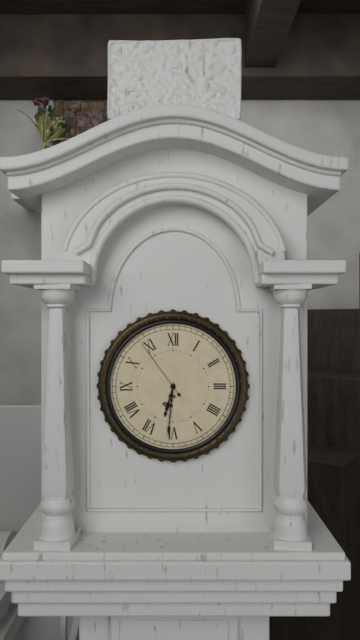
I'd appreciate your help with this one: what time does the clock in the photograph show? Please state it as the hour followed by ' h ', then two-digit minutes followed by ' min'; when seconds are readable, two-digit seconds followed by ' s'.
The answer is 6 h 31 min 54 s
